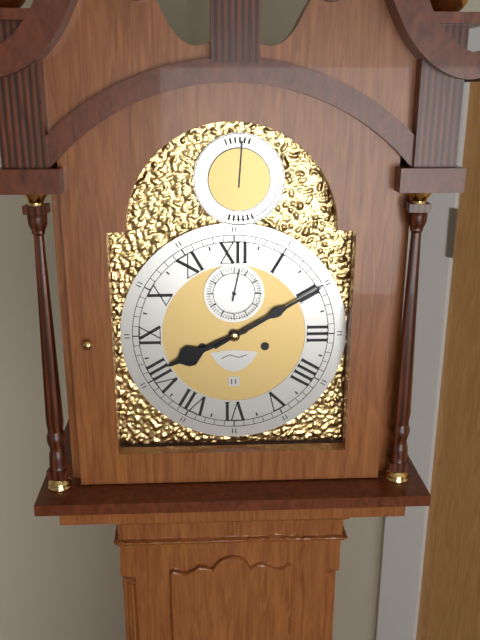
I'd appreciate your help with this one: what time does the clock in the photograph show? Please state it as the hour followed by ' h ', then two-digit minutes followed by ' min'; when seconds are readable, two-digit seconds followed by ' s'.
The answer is 8 h 10 min
